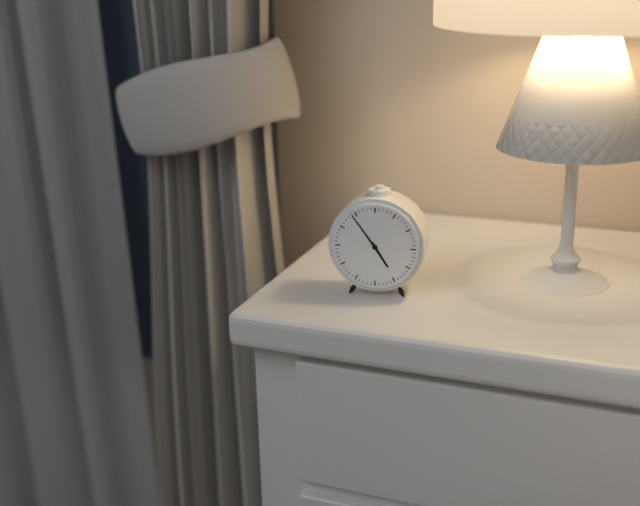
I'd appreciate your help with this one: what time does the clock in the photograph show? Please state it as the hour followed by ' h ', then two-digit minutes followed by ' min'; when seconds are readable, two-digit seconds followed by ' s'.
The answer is 4 h 54 min
